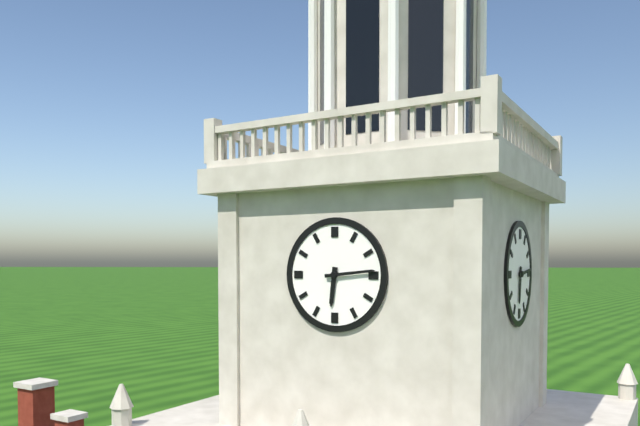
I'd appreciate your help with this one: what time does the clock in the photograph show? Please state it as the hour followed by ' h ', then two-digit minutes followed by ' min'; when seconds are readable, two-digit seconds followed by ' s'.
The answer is 6 h 14 min
